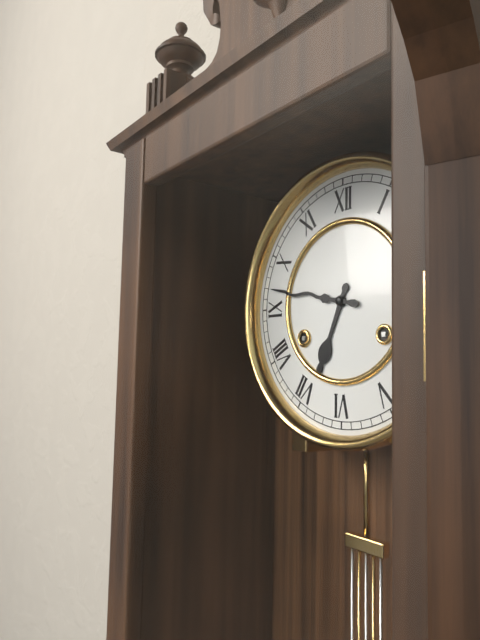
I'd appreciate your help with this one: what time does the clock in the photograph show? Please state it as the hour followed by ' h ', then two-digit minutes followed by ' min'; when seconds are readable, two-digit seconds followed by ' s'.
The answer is 6 h 47 min
